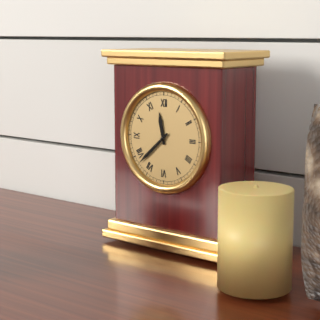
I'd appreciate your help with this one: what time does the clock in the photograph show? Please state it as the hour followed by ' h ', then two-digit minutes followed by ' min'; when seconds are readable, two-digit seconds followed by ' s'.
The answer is 11 h 38 min
